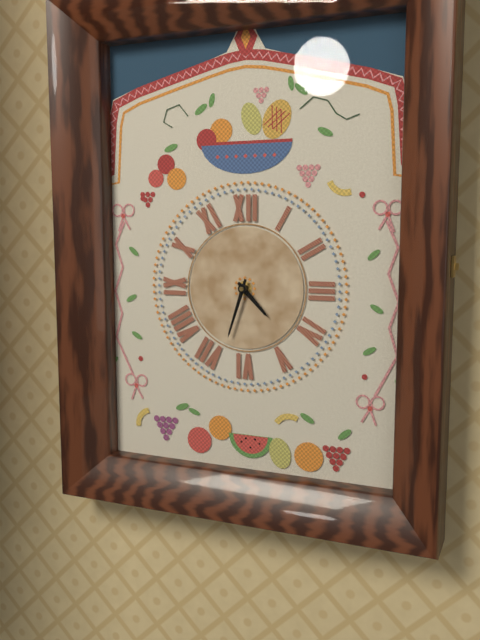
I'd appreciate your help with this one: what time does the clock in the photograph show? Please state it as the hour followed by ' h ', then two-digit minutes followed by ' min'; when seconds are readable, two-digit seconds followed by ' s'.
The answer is 4 h 33 min
